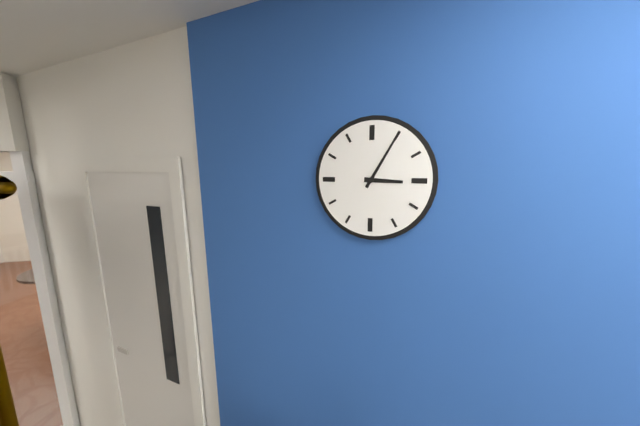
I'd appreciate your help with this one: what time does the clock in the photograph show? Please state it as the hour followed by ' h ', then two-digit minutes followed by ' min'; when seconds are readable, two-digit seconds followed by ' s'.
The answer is 3 h 05 min
